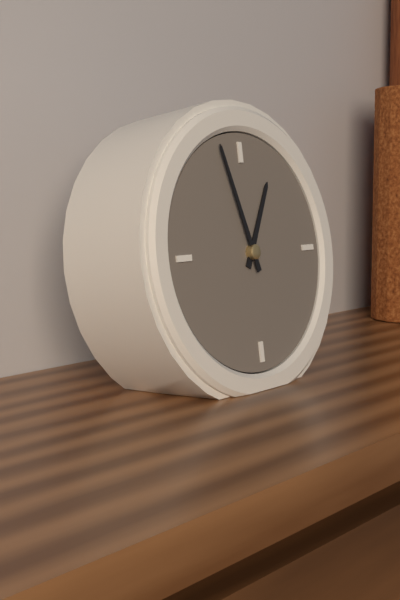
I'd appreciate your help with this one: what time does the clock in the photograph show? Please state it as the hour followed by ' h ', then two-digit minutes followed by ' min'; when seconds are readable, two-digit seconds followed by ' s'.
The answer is 12 h 57 min
